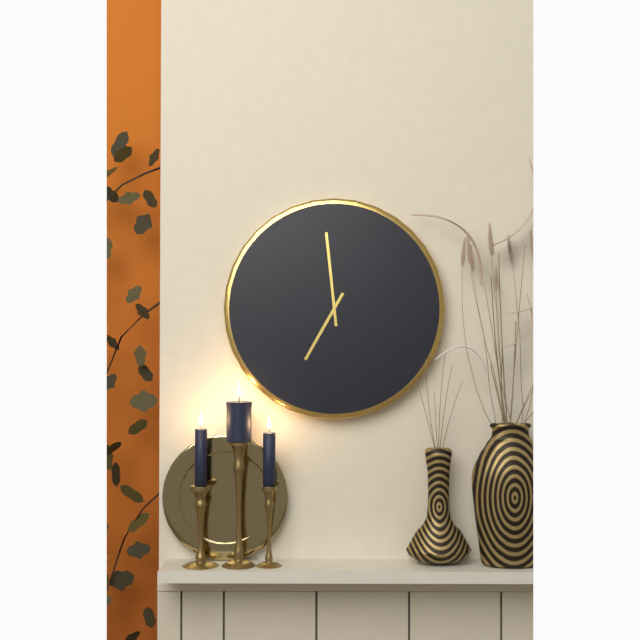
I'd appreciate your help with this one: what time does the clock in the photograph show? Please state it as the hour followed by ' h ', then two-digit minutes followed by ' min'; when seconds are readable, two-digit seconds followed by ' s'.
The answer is 6 h 59 min
